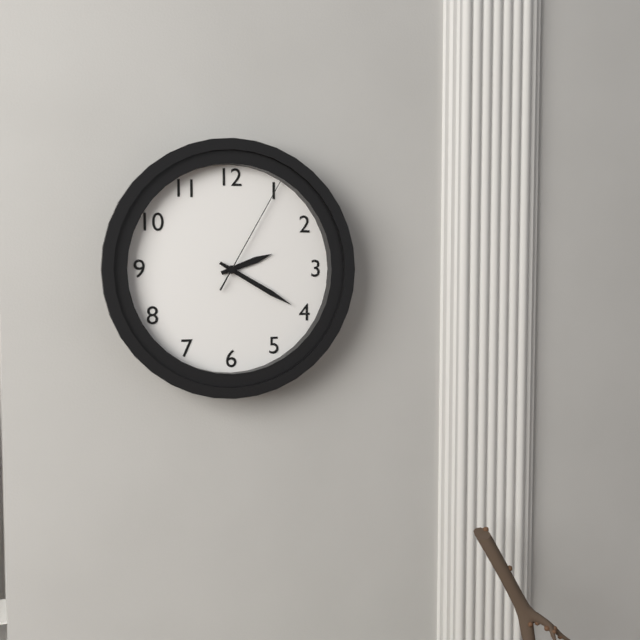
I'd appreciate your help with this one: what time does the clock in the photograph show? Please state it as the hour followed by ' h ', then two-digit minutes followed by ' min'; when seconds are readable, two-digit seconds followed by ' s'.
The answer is 2 h 20 min 05 s
